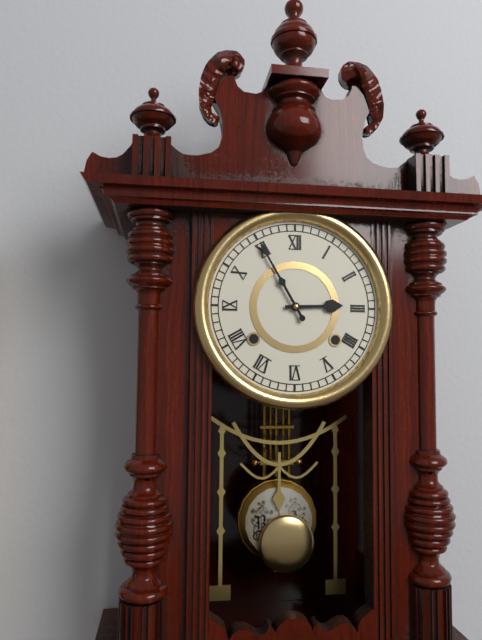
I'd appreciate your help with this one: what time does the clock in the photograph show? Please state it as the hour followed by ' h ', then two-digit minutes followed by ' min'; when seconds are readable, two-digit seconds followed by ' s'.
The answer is 2 h 55 min
